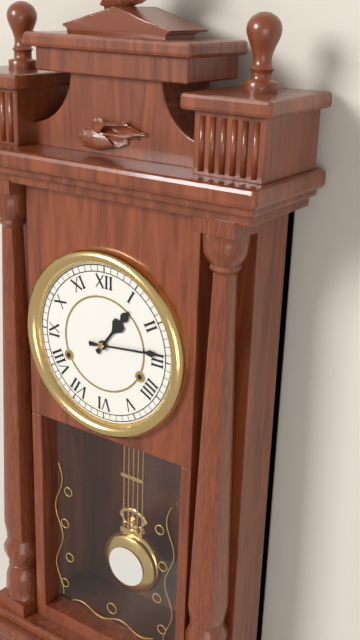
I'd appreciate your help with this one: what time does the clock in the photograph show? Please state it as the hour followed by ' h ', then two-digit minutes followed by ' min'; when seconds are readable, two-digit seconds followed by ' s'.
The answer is 1 h 14 min
